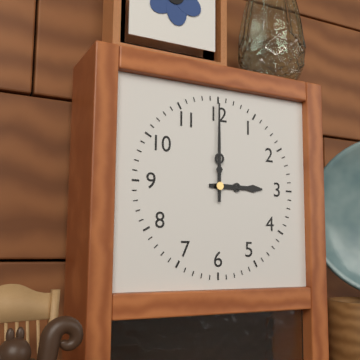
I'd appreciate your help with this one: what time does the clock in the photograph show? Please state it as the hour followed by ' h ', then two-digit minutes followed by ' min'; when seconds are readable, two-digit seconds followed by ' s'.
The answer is 3 h 00 min
